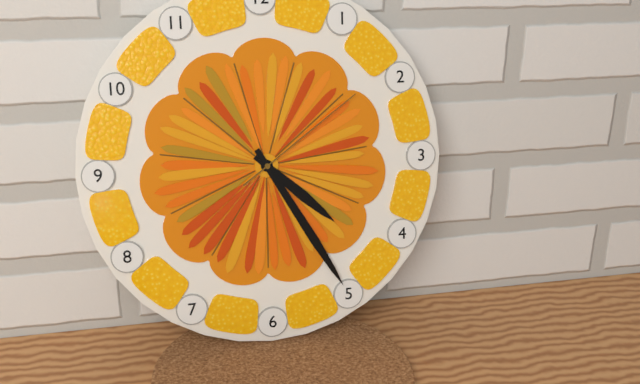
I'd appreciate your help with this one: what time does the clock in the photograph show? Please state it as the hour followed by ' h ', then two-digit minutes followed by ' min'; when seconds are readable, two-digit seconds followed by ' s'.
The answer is 4 h 25 min 09 s
